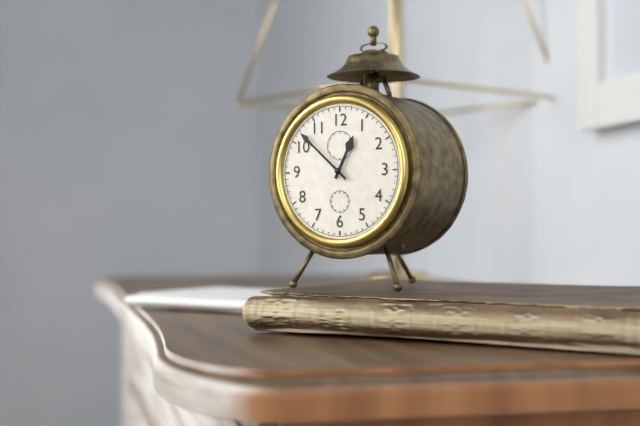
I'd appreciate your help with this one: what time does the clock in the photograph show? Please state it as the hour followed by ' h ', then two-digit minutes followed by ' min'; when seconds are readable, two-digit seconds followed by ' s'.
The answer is 12 h 52 min
